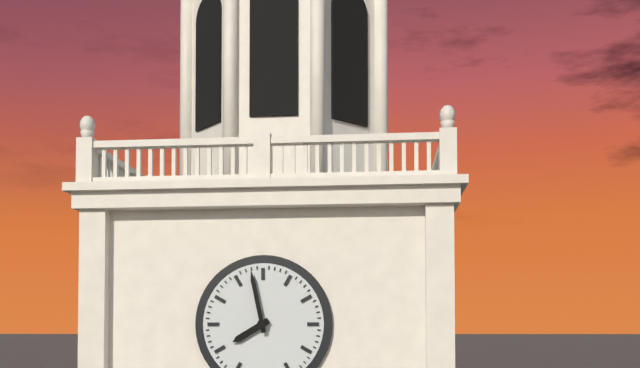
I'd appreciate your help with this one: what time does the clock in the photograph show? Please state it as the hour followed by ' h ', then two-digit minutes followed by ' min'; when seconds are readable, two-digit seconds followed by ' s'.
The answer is 7 h 58 min
